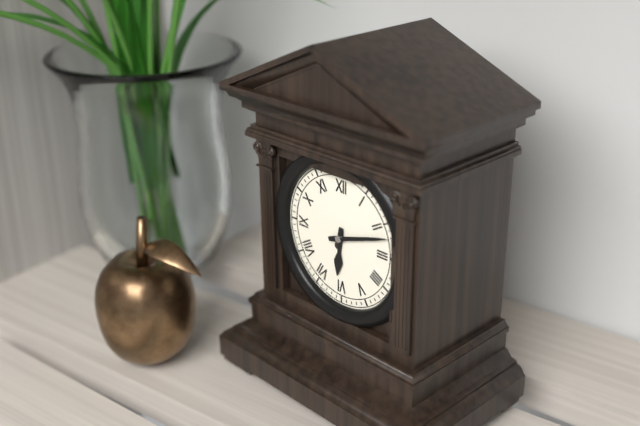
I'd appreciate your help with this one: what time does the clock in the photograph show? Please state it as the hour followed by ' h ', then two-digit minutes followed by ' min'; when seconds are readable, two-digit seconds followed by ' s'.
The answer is 6 h 12 min
